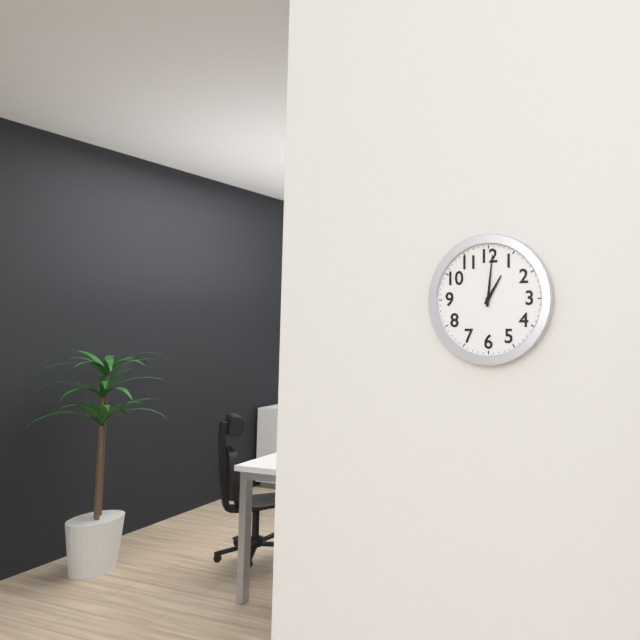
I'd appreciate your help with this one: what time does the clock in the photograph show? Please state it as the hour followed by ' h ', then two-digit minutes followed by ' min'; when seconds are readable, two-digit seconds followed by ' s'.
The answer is 1 h 01 min
